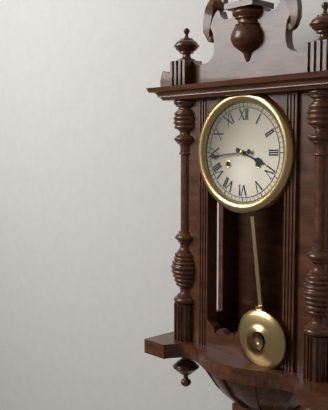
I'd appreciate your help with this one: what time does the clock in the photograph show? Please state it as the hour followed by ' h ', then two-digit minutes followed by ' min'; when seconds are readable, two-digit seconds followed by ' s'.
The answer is 3 h 44 min
